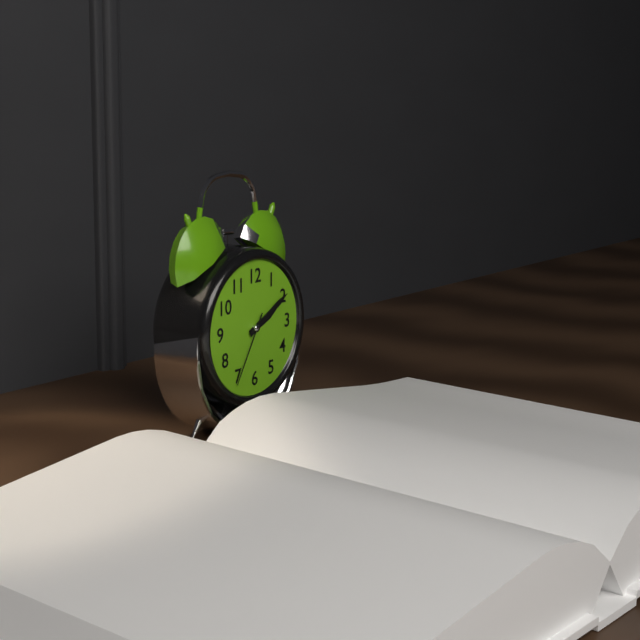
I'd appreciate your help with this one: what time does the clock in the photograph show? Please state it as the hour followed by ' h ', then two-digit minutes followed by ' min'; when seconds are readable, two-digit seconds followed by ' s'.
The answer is 2 h 10 min 35 s
